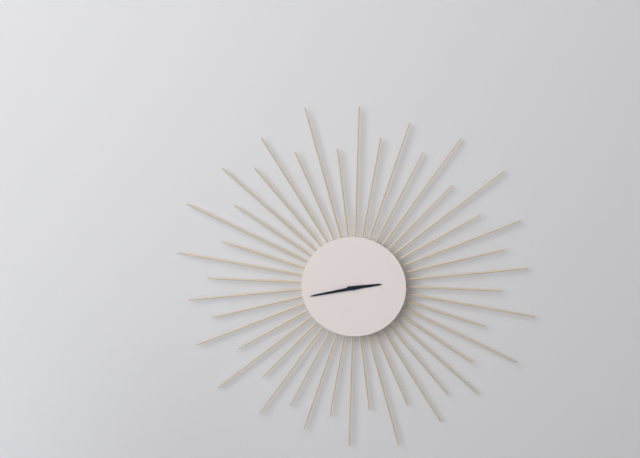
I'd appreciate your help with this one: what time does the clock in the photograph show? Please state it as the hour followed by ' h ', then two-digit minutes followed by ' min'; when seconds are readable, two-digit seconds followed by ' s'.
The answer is 2 h 43 min
